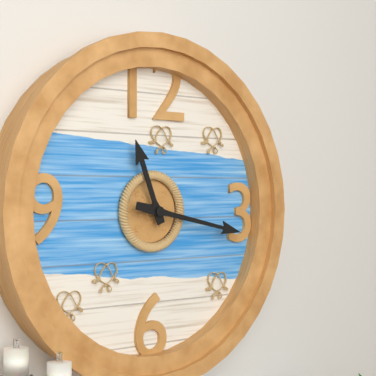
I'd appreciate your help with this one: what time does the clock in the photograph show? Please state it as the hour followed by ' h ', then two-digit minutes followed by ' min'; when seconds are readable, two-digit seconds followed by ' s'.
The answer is 11 h 17 min
